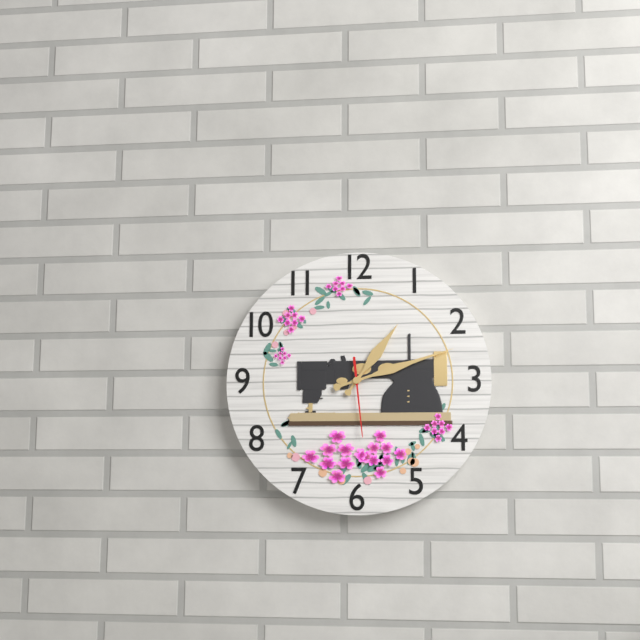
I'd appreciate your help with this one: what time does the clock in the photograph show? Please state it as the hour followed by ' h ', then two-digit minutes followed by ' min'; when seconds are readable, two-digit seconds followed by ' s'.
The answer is 1 h 12 min 29 s
